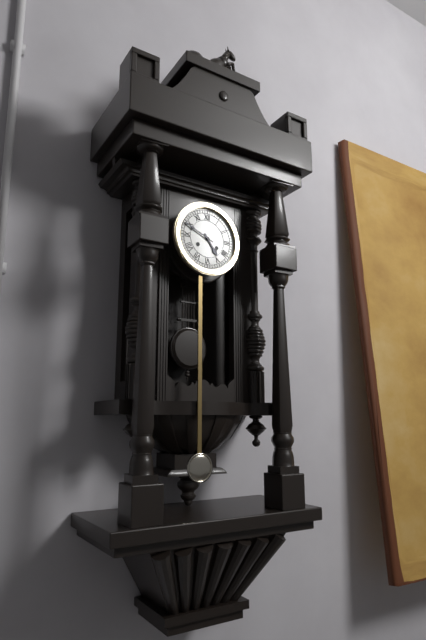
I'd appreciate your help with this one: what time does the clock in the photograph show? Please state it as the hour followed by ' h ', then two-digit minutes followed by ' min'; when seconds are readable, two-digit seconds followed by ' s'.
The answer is 4 h 49 min
